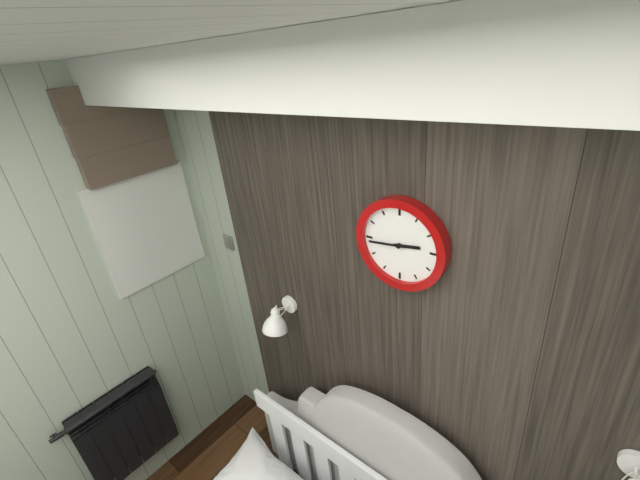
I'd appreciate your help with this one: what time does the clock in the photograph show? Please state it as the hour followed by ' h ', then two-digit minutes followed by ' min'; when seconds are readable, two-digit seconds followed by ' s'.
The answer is 2 h 44 min
